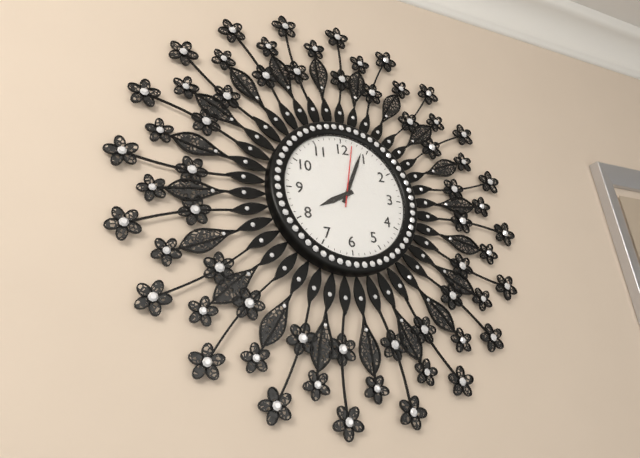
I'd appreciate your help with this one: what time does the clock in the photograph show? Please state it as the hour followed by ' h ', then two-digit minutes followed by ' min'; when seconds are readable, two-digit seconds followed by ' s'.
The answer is 8 h 04 min 02 s
